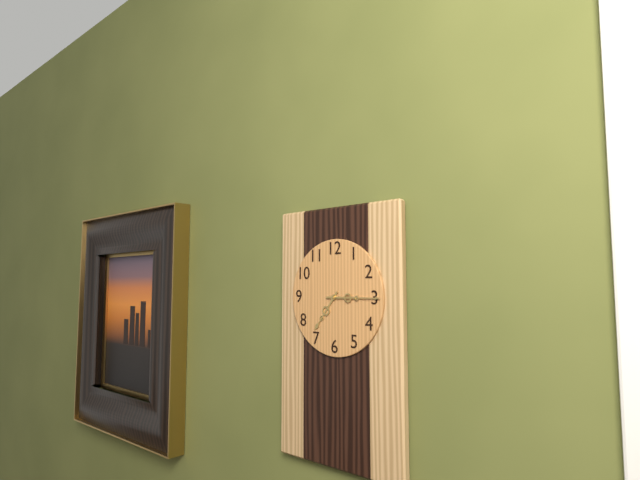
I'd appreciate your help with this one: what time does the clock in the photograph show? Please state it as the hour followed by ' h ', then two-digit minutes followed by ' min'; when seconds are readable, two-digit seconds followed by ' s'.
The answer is 7 h 15 min
